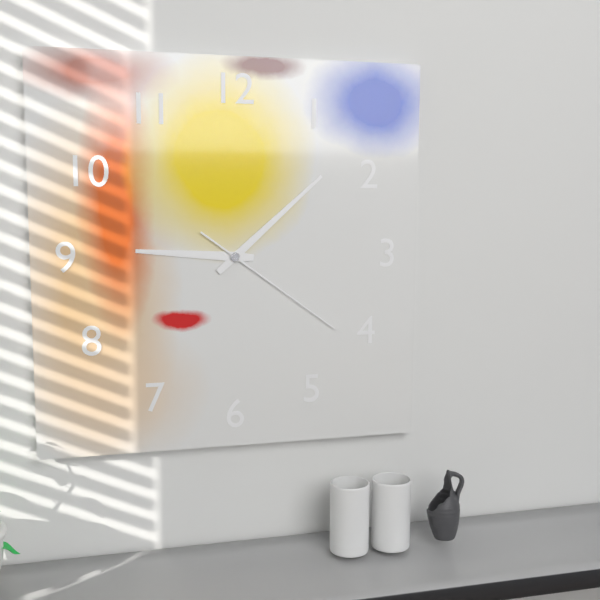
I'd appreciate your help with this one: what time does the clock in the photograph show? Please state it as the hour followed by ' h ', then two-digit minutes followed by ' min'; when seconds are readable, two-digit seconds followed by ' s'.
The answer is 9 h 08 min 21 s
